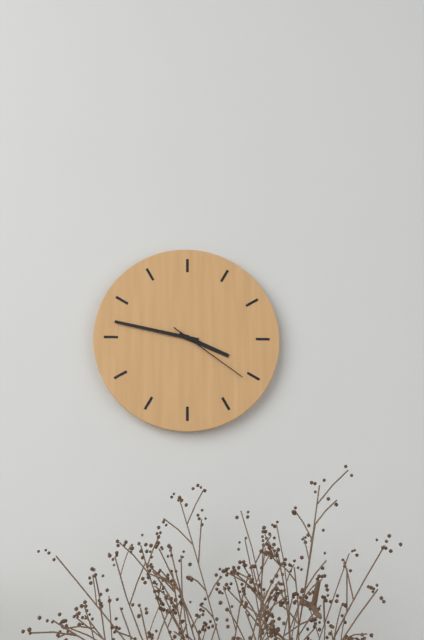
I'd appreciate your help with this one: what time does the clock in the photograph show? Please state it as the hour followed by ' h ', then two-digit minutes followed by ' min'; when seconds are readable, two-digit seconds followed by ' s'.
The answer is 3 h 47 min 21 s
